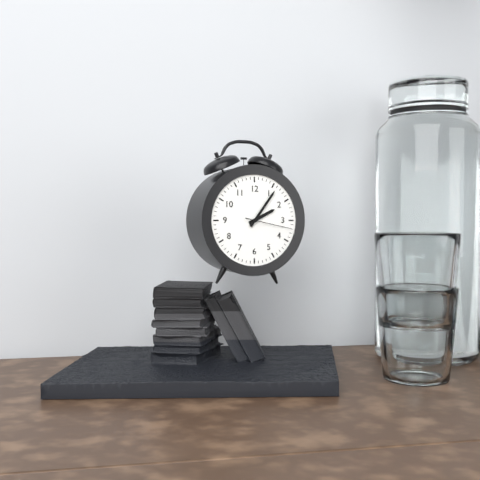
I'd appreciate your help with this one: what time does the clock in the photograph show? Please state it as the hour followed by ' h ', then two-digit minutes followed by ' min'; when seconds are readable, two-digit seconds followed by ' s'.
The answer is 2 h 06 min
